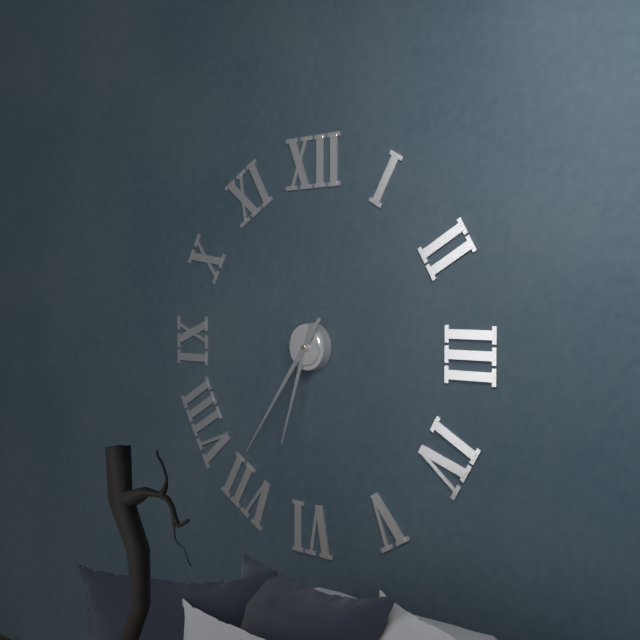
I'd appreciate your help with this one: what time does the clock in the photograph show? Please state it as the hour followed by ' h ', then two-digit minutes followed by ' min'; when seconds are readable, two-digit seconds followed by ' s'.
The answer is 6 h 36 min
